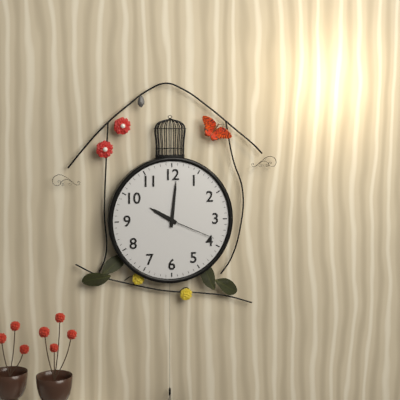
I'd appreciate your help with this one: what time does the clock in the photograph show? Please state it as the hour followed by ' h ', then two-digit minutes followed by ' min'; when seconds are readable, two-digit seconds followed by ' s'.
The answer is 10 h 01 min 19 s
